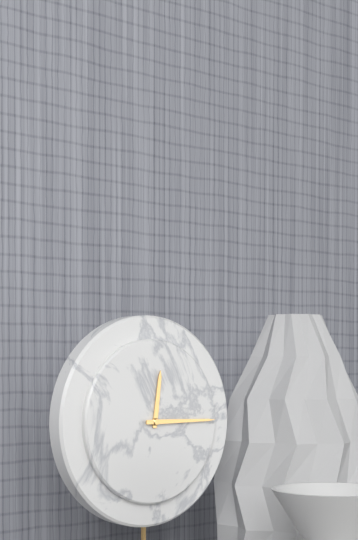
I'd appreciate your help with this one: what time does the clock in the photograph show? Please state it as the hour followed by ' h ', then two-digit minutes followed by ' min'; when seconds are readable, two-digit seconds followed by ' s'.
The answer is 12 h 15 min
